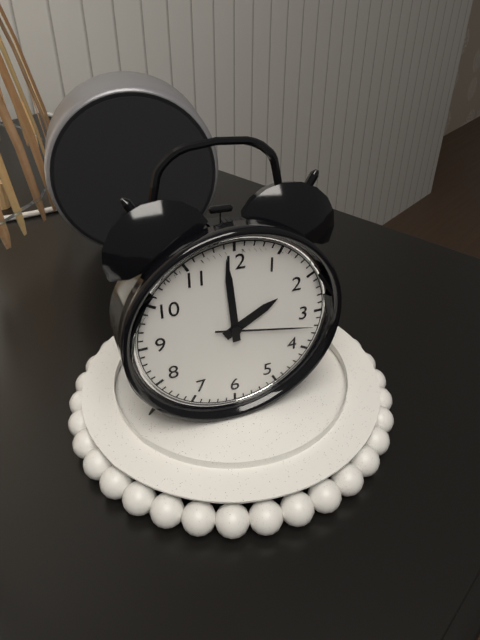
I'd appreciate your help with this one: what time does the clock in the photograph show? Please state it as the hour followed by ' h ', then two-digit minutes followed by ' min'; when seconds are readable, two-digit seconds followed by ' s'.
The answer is 1 h 59 min 17 s
